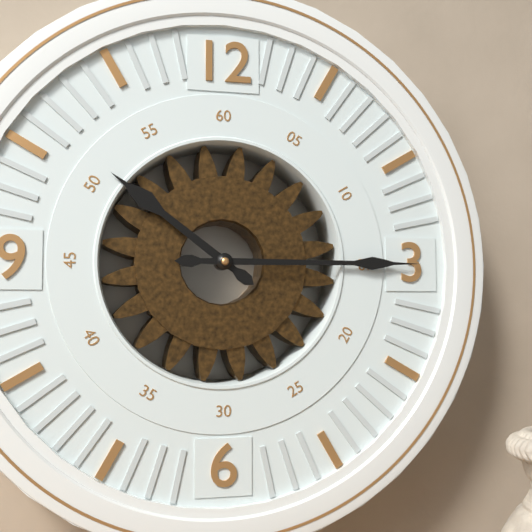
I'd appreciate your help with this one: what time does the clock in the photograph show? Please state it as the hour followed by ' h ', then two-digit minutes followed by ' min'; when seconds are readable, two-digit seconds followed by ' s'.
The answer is 10 h 15 min
